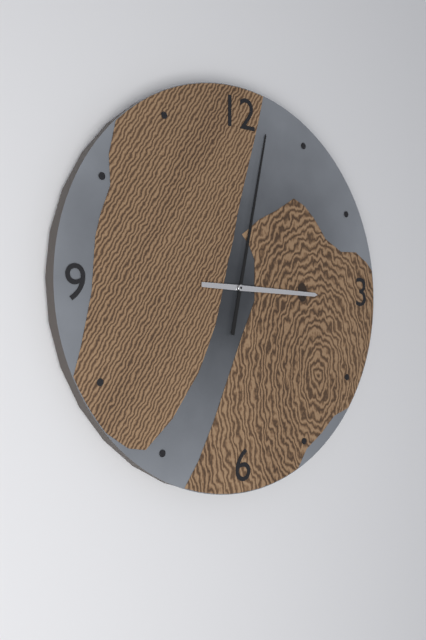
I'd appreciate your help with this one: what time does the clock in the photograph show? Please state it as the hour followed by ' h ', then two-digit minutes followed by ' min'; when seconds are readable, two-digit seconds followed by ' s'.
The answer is 3 h 02 min
